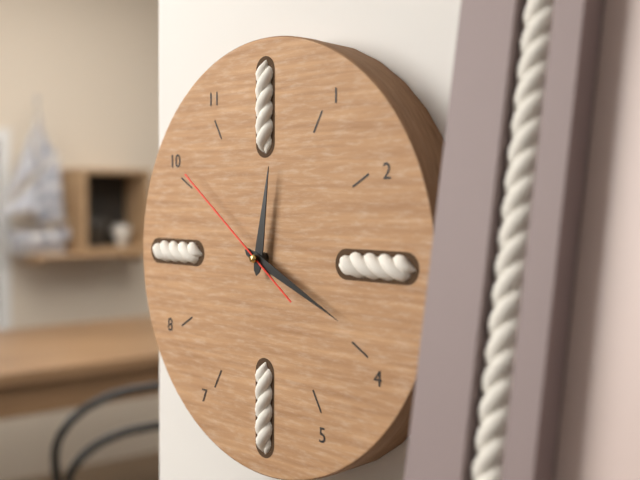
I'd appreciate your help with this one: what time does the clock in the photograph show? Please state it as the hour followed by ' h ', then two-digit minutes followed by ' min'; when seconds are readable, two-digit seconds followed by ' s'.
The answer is 12 h 19 min 51 s
